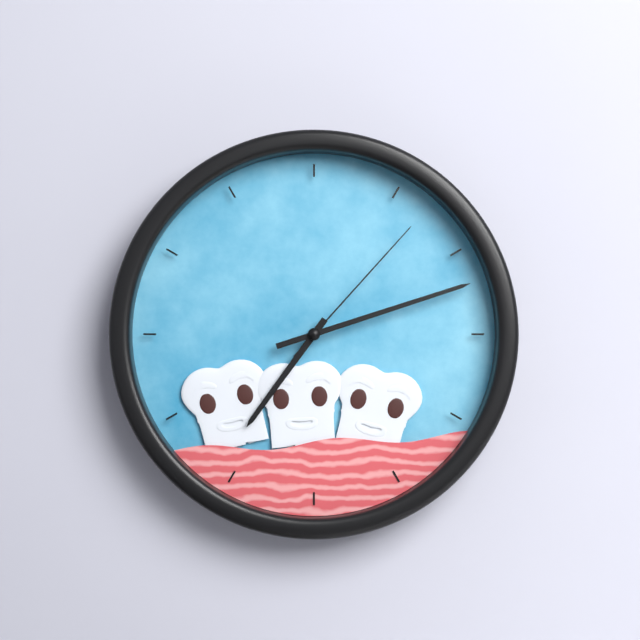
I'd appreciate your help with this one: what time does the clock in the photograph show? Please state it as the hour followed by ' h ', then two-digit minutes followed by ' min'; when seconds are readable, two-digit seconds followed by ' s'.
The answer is 7 h 12 min 07 s
